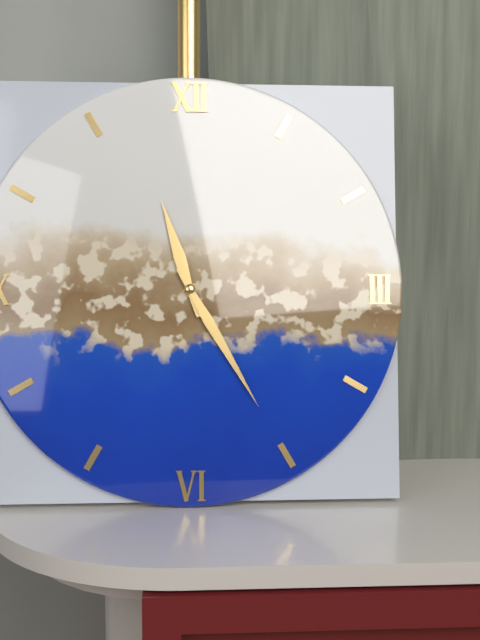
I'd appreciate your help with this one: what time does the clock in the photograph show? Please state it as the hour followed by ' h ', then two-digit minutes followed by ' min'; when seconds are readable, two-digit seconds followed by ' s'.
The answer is 11 h 25 min
